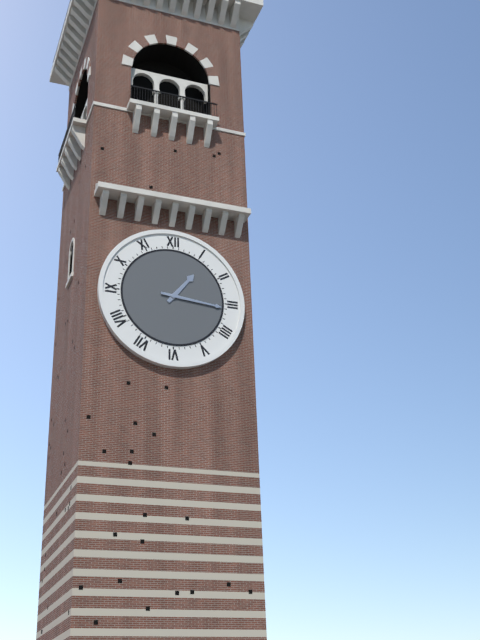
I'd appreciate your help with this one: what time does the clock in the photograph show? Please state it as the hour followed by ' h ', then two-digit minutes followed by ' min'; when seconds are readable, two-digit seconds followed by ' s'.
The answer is 1 h 16 min
